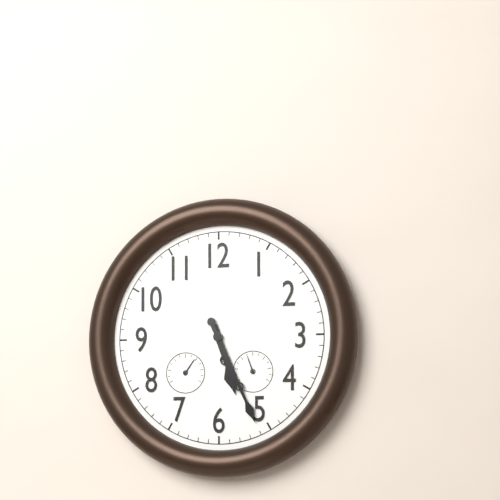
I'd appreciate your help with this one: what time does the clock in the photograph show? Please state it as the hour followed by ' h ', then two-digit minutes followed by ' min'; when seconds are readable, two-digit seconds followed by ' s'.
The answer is 5 h 26 min
